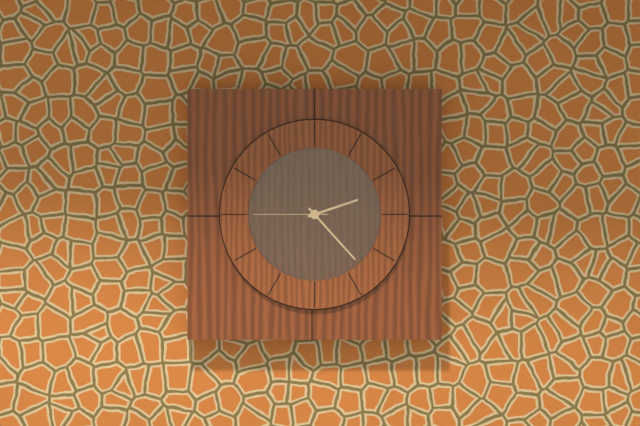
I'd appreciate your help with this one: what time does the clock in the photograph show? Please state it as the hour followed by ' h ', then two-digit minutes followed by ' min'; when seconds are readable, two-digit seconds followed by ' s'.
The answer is 2 h 23 min 45 s
